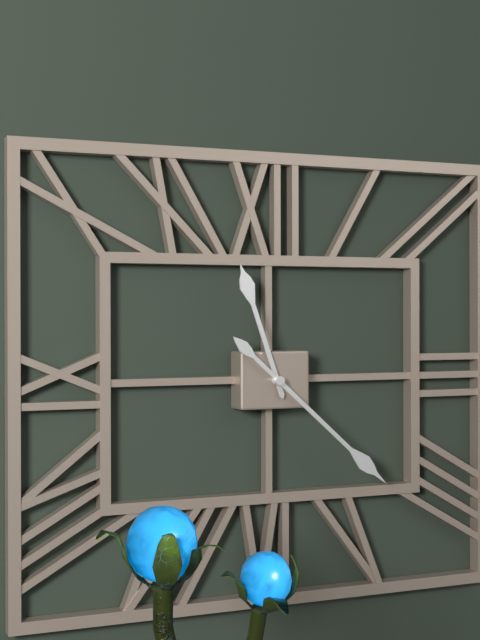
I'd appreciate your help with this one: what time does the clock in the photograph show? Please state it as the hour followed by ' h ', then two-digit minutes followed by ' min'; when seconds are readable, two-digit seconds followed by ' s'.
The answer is 11 h 22 min
